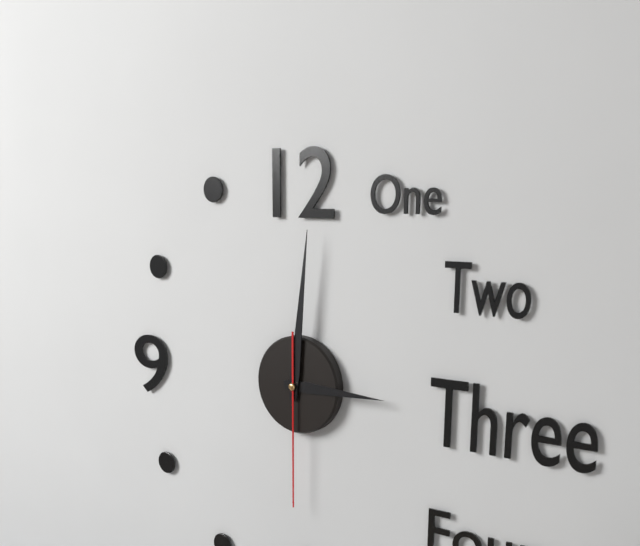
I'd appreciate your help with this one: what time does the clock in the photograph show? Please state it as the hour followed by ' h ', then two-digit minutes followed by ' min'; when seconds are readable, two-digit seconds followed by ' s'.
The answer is 3 h 01 min 30 s
